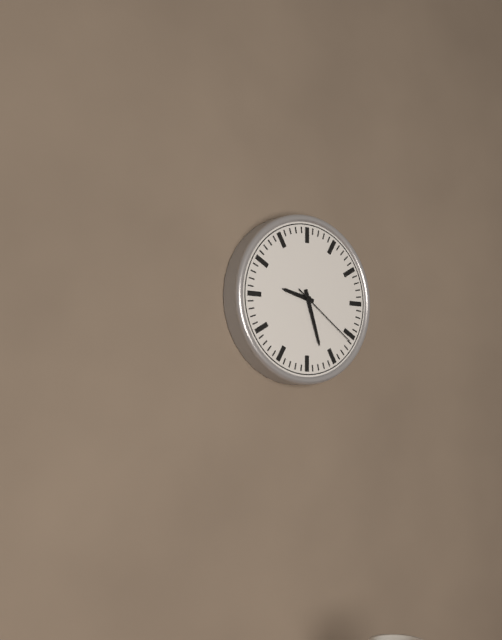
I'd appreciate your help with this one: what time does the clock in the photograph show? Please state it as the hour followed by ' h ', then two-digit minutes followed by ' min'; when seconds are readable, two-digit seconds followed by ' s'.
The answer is 9 h 27 min 21 s
